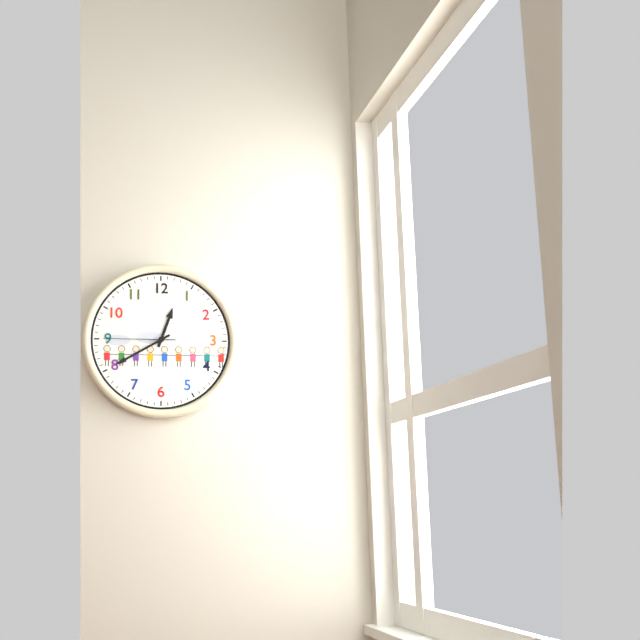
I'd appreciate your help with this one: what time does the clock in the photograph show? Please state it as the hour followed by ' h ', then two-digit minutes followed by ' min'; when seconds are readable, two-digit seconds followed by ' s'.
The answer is 12 h 40 min 45 s
